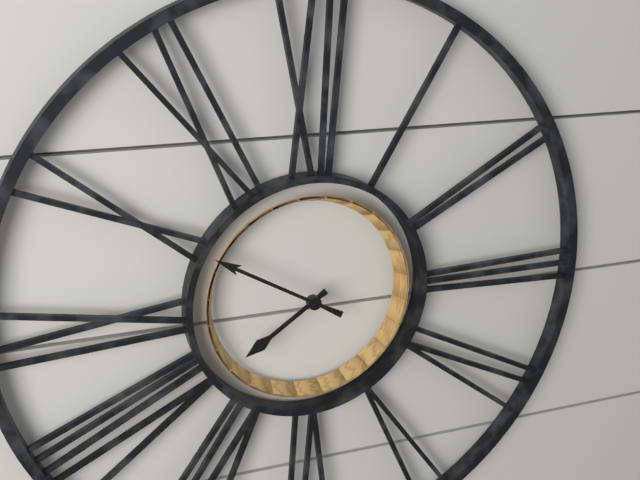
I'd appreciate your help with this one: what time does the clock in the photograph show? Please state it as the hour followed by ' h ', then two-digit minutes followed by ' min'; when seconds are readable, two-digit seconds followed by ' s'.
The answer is 7 h 50 min
